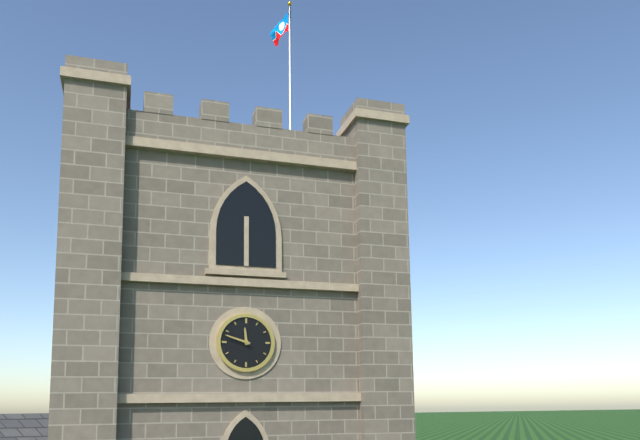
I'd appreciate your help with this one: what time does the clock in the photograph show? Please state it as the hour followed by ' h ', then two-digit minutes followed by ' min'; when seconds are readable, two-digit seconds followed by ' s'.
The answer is 11 h 48 min
